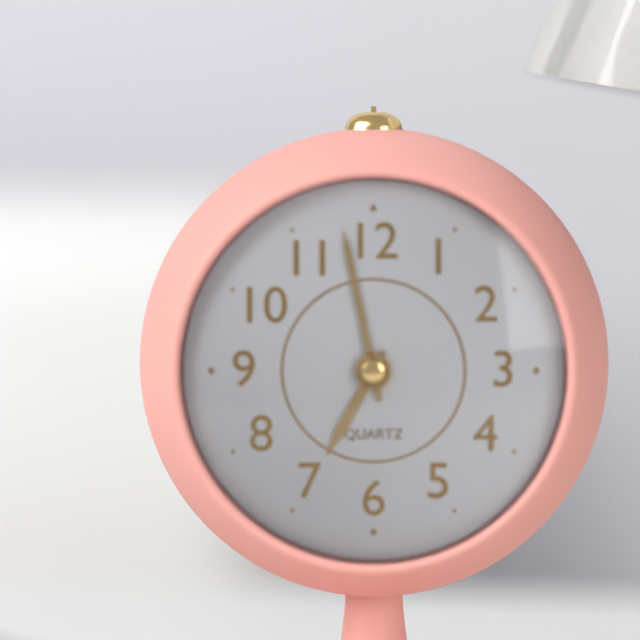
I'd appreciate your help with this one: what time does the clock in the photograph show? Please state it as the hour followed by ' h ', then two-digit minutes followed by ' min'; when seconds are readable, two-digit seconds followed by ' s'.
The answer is 6 h 58 min
